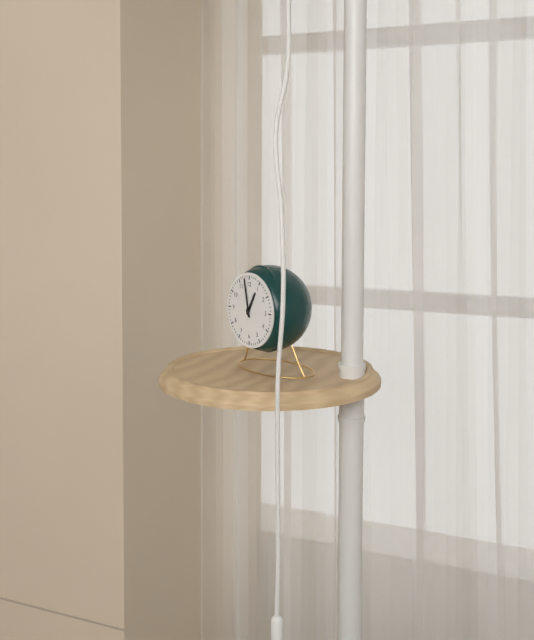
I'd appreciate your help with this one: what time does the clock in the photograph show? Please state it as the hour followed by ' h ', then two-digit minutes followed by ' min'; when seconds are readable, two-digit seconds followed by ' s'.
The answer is 12 h 58 min
